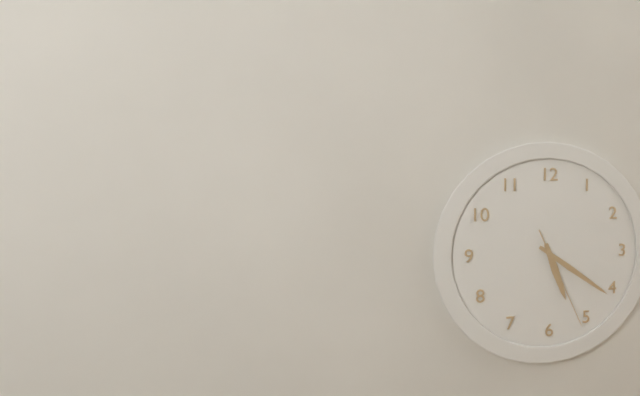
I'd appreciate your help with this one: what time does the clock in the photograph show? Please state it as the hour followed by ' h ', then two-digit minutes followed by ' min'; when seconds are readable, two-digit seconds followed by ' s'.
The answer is 5 h 21 min 26 s
